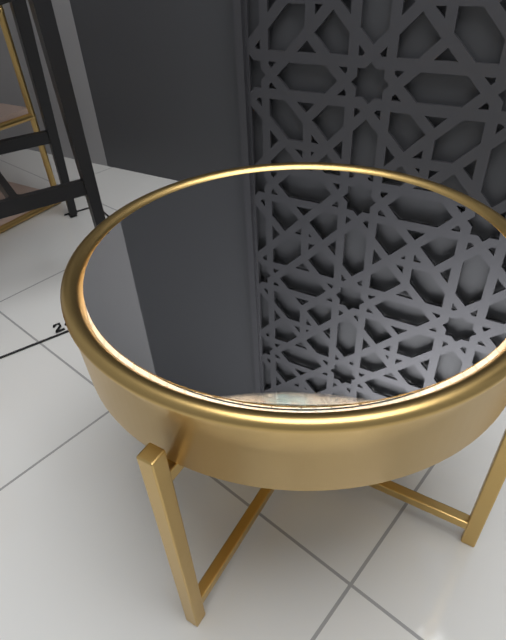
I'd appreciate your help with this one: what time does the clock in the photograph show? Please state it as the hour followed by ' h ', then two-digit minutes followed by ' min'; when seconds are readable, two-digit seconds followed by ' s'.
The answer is 7 h 51 min
